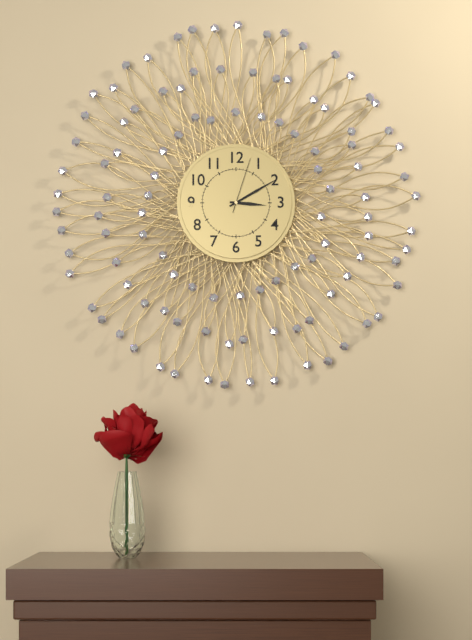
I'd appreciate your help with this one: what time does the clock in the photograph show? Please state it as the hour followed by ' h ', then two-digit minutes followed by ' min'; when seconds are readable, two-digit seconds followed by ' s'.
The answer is 3 h 10 min 03 s
